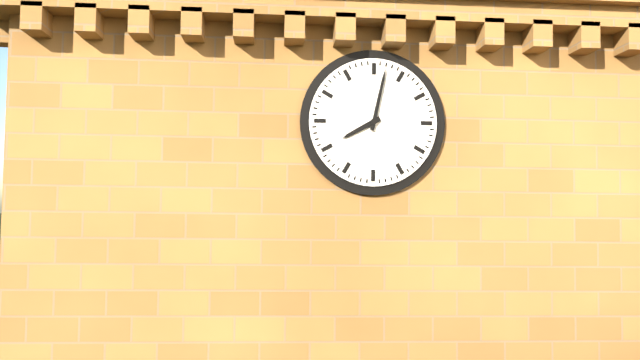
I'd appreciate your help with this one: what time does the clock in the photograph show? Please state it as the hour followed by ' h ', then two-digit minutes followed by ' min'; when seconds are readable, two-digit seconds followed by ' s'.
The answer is 8 h 02 min
